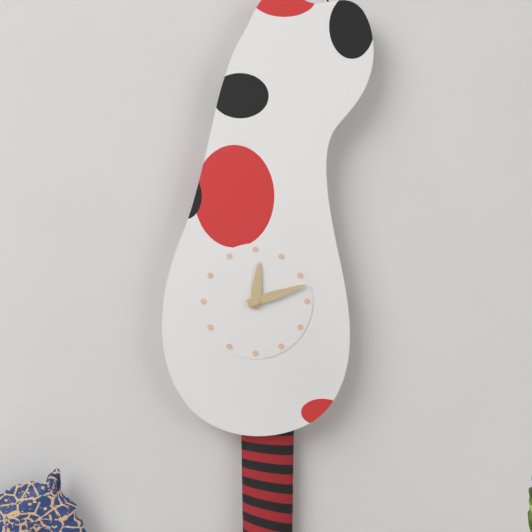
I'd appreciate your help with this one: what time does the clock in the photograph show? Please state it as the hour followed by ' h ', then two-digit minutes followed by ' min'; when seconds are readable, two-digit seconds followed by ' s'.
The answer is 12 h 12 min
